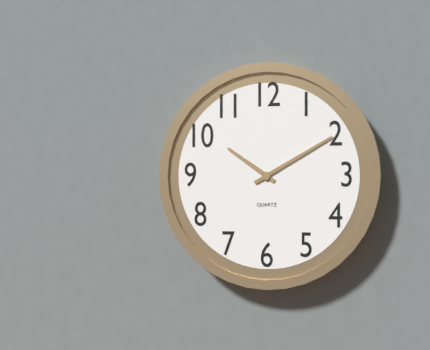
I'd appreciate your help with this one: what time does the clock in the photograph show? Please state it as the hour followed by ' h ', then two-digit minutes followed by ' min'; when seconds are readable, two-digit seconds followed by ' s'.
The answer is 10 h 10 min
